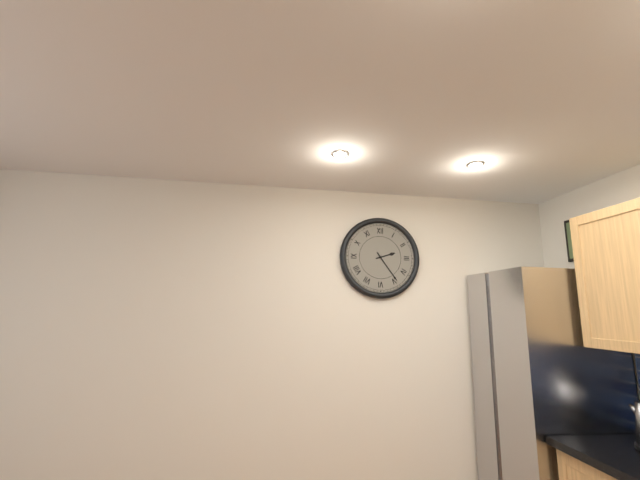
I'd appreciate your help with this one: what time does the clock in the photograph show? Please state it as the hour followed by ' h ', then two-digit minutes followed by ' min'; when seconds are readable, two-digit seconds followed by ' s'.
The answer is 2 h 24 min
